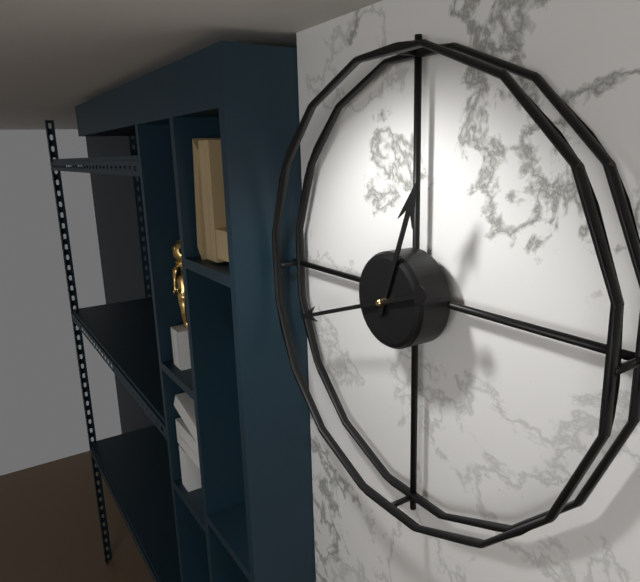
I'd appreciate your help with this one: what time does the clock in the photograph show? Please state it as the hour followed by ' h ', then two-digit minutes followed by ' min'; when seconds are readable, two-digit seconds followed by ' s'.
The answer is 12 h 42 min
